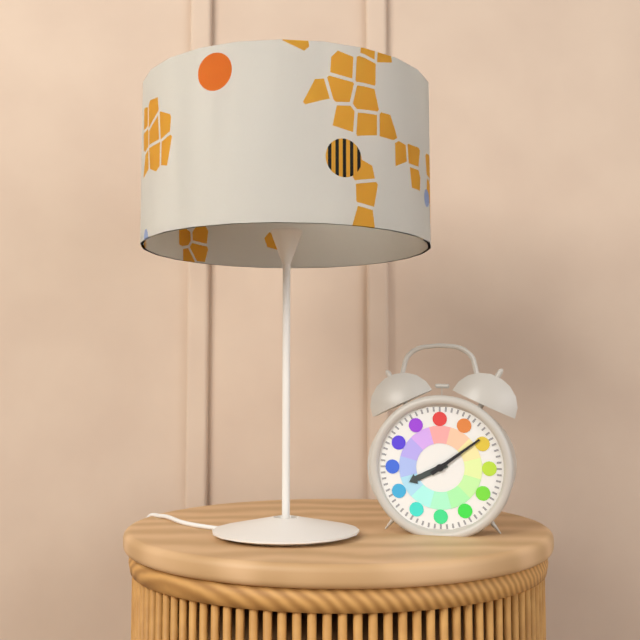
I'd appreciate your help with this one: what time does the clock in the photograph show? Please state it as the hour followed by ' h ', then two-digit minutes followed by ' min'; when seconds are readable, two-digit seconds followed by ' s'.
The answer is 8 h 09 min
